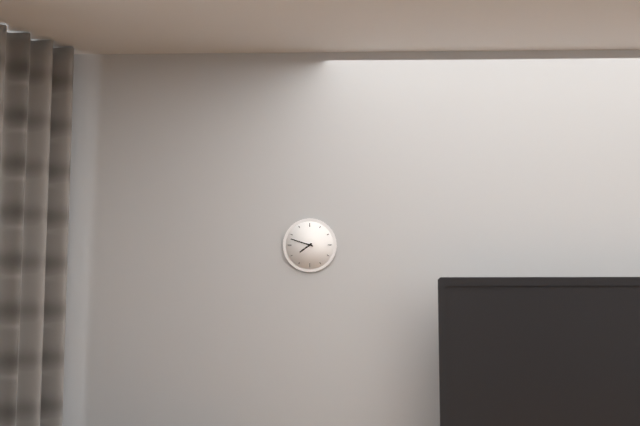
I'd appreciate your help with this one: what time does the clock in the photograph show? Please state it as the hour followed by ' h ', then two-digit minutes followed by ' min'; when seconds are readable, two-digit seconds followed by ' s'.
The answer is 7 h 48 min
